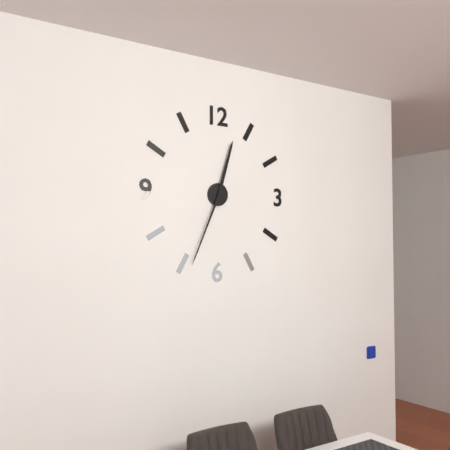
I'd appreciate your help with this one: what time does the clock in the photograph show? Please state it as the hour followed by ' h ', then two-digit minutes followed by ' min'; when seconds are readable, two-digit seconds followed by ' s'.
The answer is 12 h 34 min
